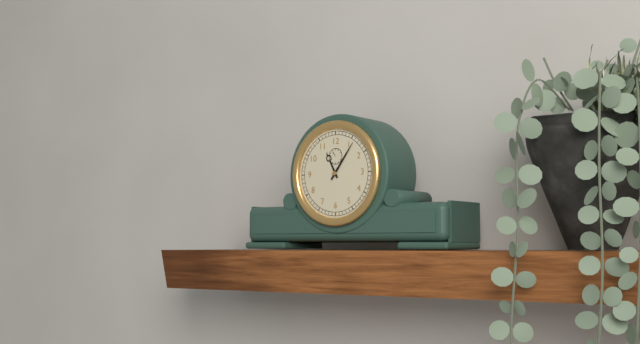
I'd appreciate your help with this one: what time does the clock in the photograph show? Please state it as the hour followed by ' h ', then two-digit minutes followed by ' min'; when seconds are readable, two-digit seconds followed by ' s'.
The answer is 11 h 06 min
